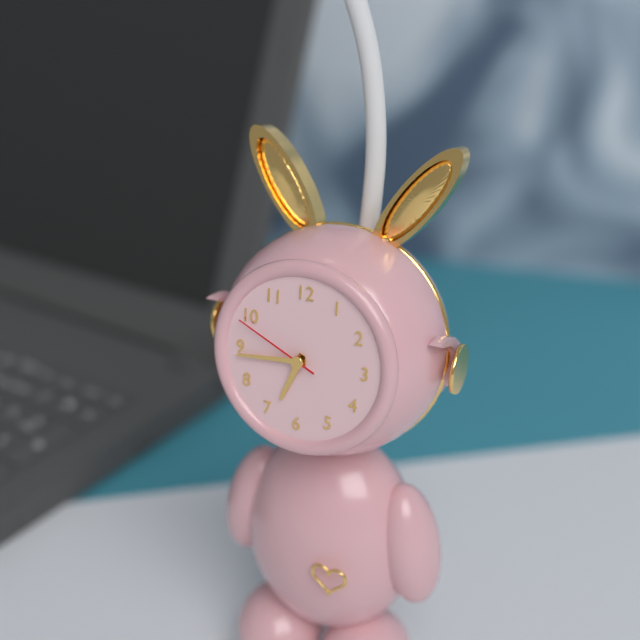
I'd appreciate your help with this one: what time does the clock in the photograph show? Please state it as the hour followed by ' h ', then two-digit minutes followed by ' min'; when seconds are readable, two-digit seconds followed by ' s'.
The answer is 6 h 44 min 49 s
